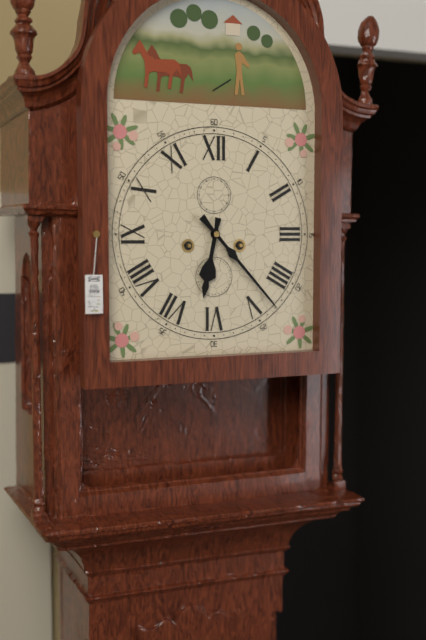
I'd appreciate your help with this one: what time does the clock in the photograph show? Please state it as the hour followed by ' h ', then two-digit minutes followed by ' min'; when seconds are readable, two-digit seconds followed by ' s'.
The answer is 6 h 23 min
